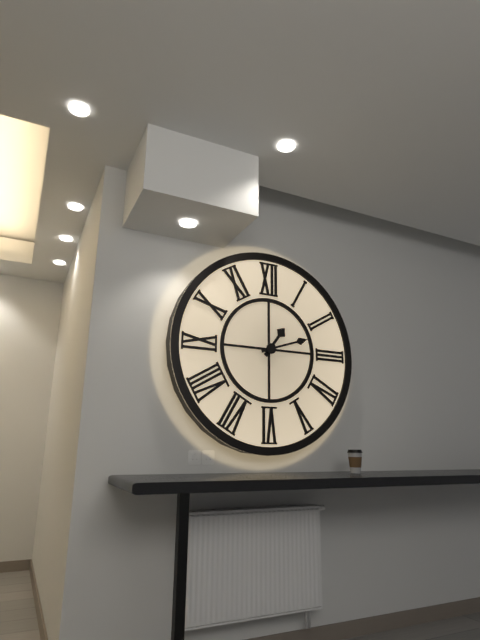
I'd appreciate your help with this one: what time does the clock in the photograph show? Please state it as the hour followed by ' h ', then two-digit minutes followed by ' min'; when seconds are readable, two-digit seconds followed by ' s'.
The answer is 1 h 12 min
